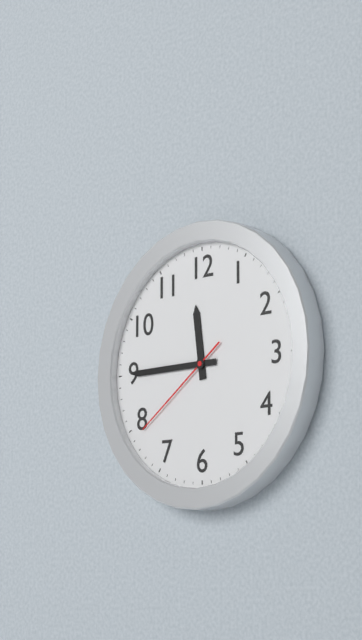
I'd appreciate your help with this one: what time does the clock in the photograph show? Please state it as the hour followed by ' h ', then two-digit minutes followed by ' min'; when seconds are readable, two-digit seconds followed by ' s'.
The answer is 11 h 45 min 39 s
